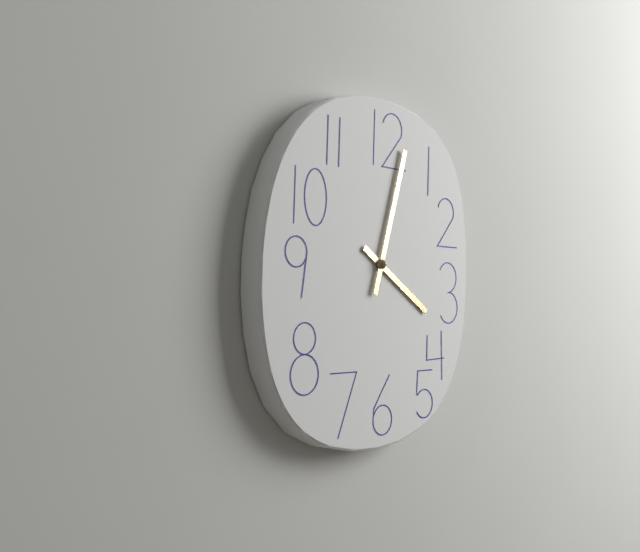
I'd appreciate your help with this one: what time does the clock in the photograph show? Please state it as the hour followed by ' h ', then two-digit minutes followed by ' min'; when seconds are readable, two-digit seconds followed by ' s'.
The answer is 4 h 03 min
